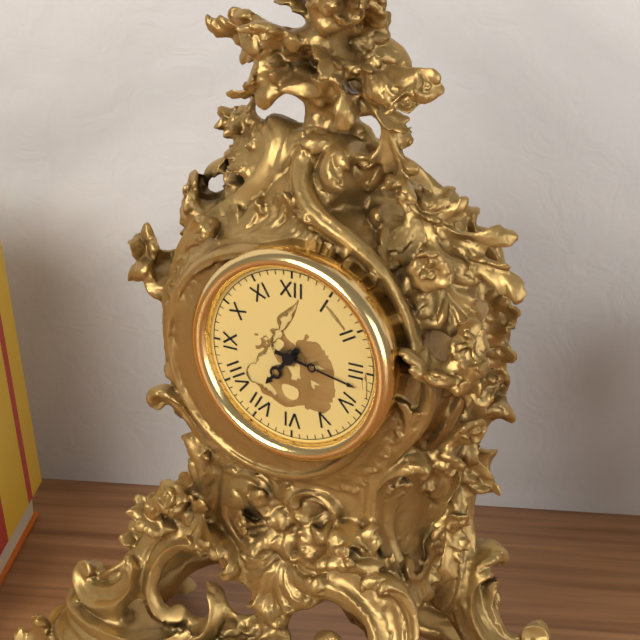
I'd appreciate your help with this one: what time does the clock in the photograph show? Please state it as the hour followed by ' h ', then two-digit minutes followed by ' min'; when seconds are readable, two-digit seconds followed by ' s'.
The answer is 7 h 17 min
